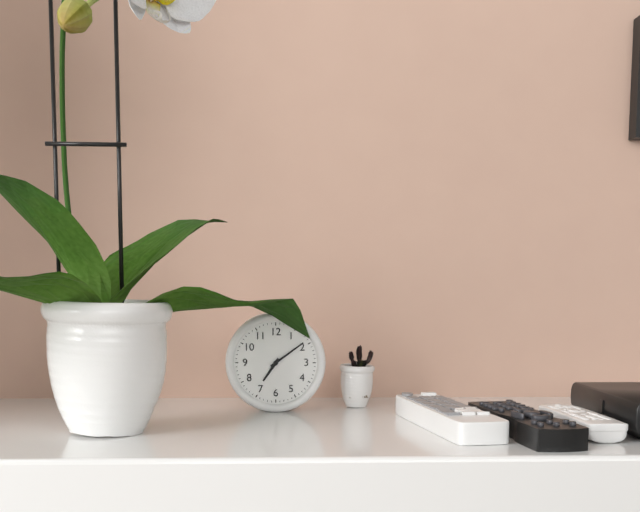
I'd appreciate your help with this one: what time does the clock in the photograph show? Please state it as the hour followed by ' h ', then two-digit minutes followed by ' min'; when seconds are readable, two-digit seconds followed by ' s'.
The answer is 7 h 09 min
